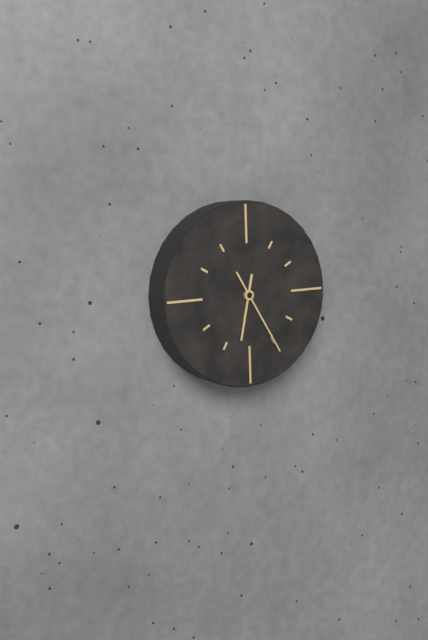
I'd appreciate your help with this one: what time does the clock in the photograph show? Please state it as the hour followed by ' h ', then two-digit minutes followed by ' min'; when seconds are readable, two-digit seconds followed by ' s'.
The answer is 6 h 25 min
